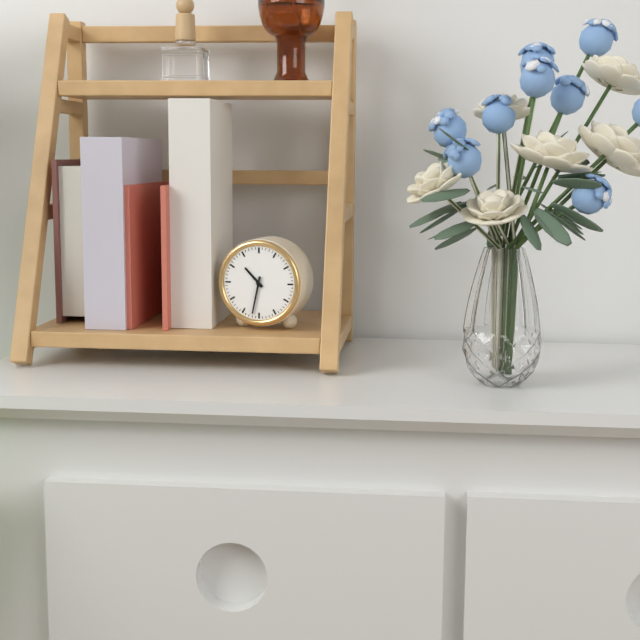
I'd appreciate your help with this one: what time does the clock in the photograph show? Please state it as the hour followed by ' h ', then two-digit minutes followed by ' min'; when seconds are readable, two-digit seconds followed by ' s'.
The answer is 10 h 32 min
